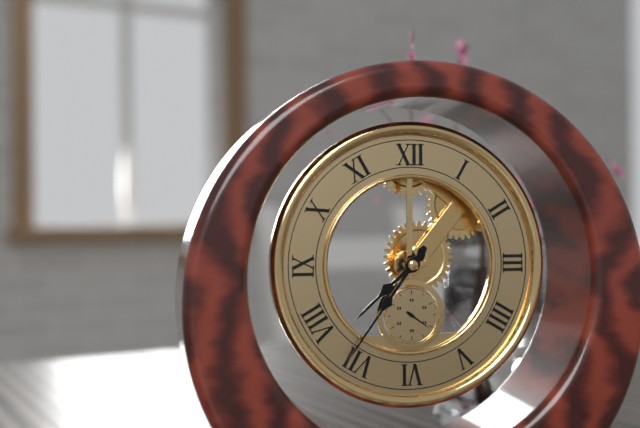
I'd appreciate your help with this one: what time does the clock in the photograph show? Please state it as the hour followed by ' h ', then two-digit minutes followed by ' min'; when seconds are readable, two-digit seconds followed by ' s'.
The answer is 7 h 36 min
